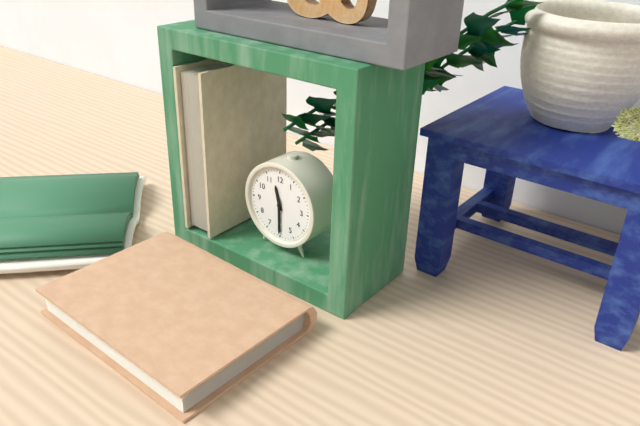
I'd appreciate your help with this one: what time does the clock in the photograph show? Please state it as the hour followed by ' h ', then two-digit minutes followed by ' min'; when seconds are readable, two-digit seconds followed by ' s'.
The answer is 11 h 30 min
